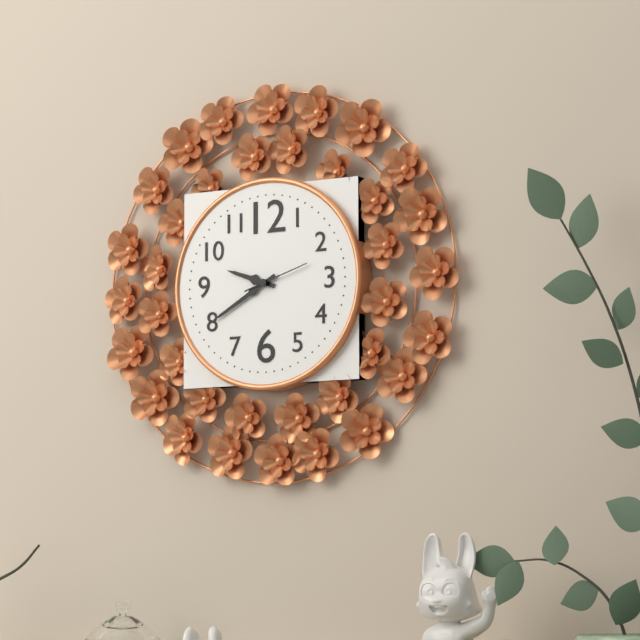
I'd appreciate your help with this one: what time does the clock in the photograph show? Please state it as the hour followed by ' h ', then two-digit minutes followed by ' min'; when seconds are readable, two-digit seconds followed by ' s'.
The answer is 9 h 40 min 12 s
